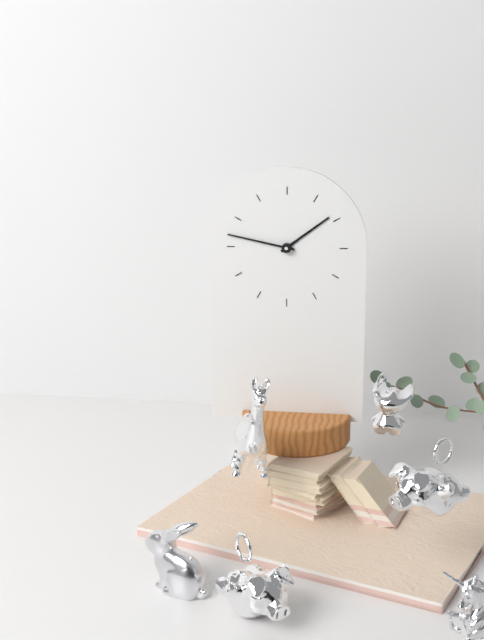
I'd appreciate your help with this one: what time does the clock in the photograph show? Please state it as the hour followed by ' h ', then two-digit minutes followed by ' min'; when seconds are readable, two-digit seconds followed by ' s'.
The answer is 1 h 47 min
